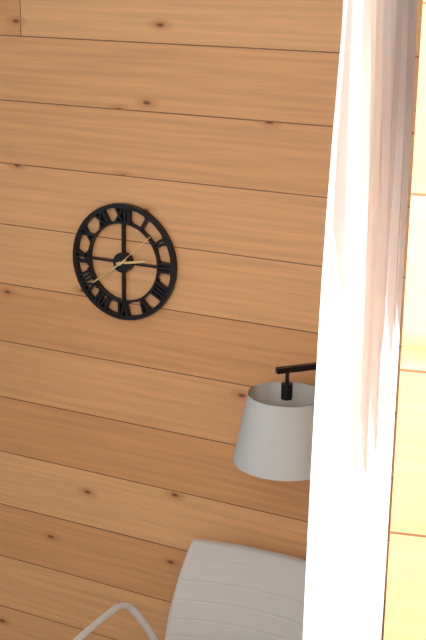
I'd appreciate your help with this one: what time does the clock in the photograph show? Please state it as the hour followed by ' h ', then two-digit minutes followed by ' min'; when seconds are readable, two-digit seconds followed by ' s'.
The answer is 2 h 39 min
